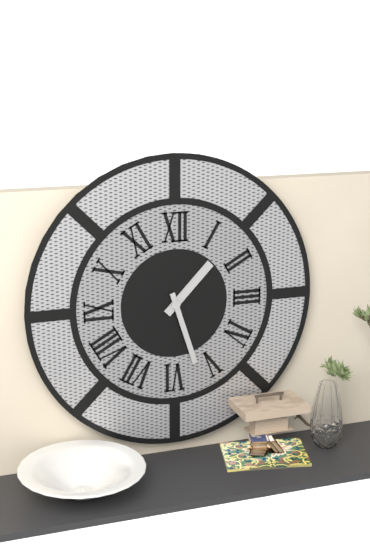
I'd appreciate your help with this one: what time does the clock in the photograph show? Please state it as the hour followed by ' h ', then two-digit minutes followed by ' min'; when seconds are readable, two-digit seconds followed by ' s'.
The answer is 1 h 27 min
